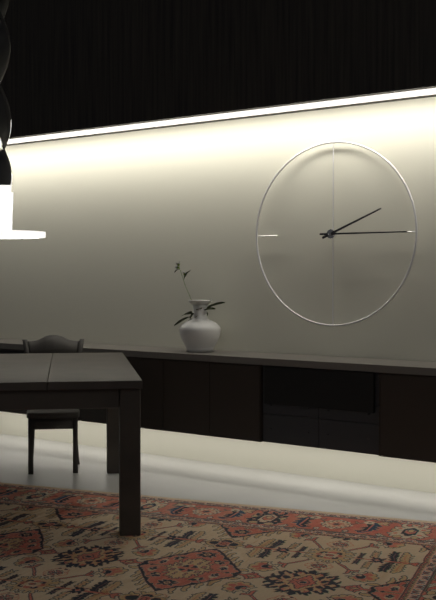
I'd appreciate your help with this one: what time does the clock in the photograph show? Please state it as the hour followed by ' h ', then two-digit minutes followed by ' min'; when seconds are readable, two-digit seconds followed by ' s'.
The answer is 2 h 15 min
